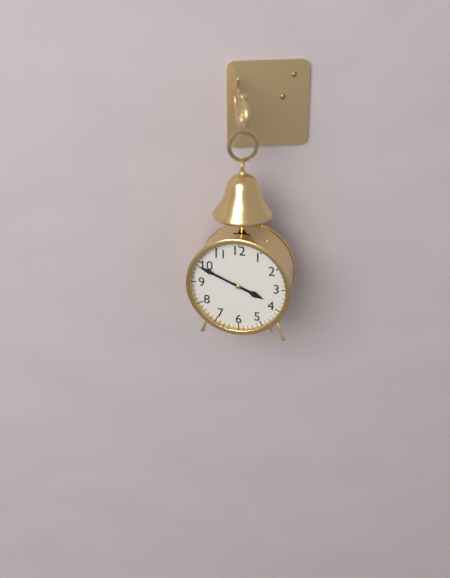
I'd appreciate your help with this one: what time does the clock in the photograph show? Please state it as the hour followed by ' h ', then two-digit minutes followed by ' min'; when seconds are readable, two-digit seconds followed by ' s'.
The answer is 3 h 49 min
